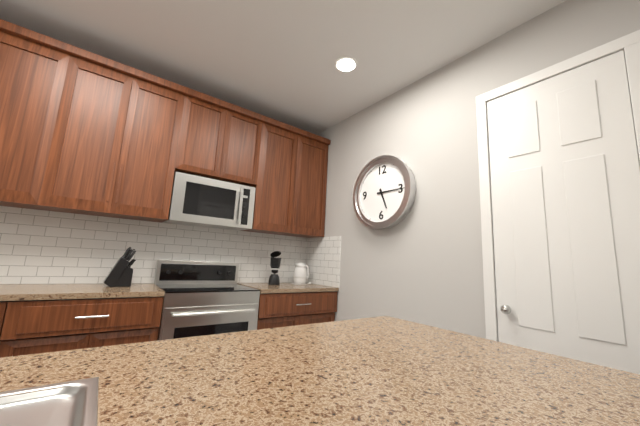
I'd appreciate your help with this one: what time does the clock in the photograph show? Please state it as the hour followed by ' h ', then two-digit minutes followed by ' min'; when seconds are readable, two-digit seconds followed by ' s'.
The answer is 5 h 15 min
